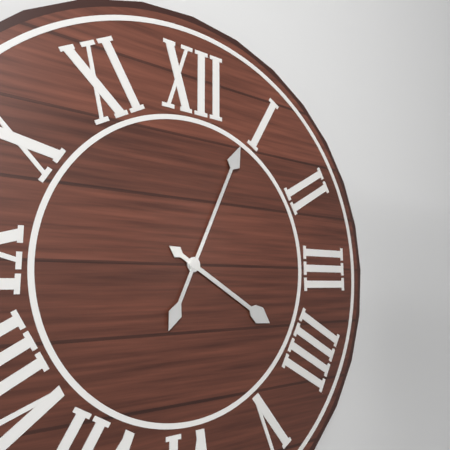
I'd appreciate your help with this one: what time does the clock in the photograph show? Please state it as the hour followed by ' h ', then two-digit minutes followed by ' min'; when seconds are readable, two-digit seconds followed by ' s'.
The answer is 4 h 04 min
